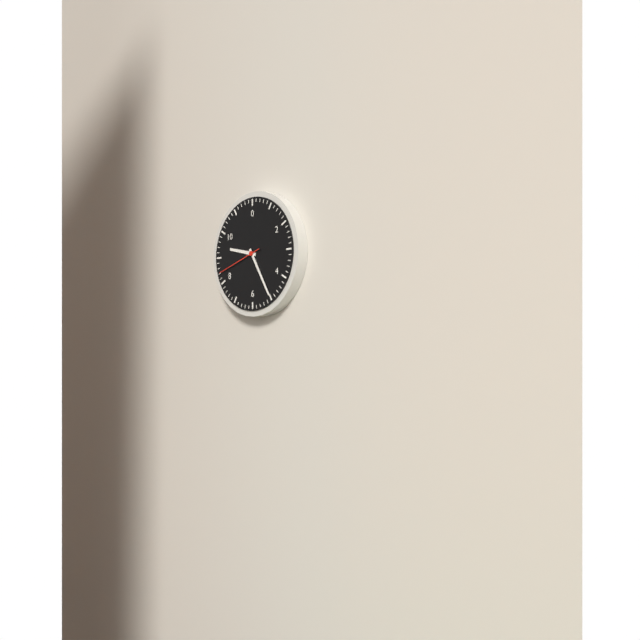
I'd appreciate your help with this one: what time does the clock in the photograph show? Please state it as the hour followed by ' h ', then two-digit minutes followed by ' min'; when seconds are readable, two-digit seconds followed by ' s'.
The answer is 9 h 25 min
